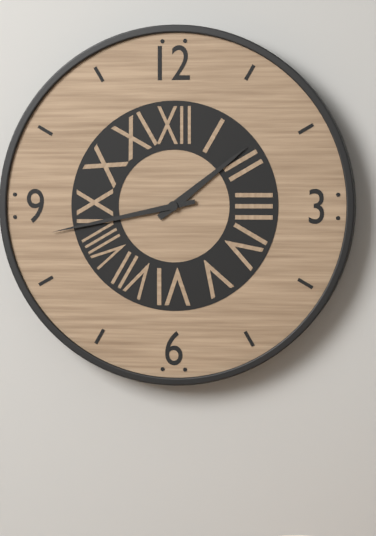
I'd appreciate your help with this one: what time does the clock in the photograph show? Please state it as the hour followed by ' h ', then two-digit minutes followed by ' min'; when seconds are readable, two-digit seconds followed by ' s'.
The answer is 1 h 43 min
